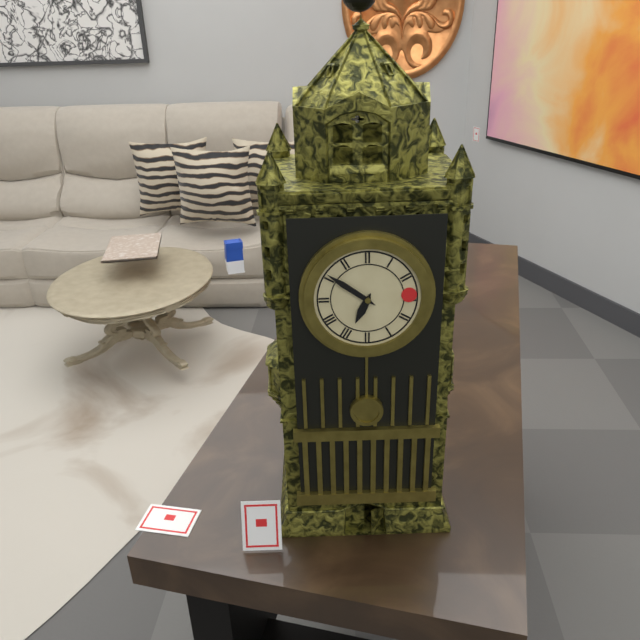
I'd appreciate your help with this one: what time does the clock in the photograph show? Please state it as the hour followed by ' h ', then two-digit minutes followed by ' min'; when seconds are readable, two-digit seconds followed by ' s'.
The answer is 6 h 51 min
